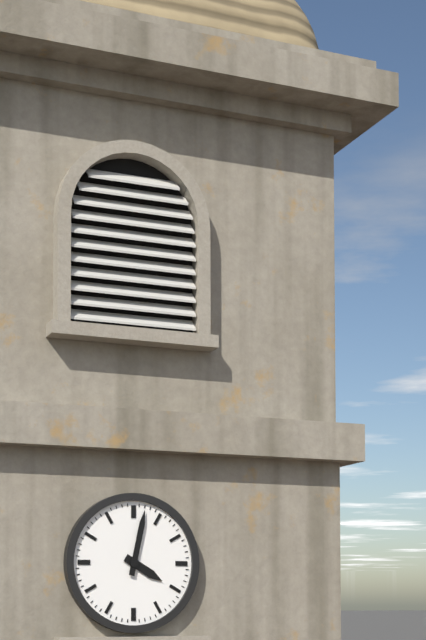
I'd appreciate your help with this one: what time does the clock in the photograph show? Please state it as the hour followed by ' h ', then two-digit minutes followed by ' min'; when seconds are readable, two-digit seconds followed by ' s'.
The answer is 4 h 02 min
